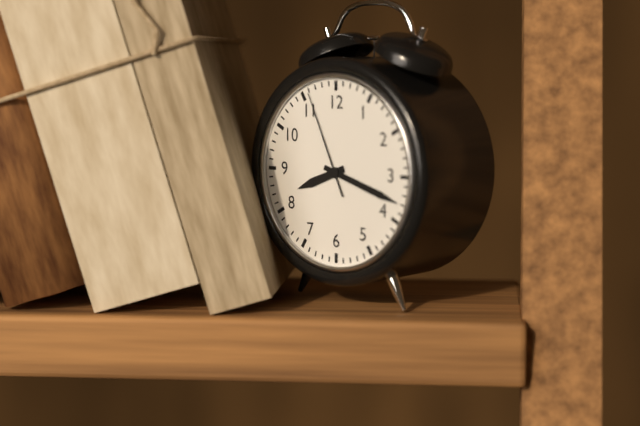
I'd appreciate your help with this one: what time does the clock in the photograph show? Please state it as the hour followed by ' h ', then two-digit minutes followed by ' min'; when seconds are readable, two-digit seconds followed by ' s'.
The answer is 8 h 18 min 56 s
